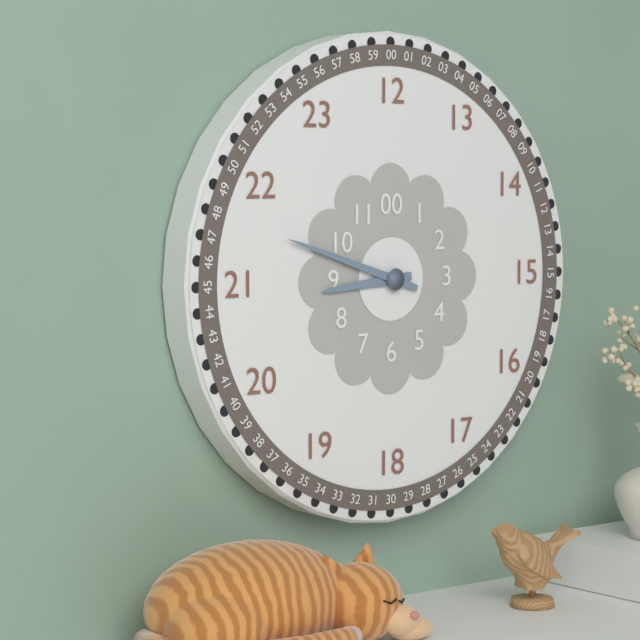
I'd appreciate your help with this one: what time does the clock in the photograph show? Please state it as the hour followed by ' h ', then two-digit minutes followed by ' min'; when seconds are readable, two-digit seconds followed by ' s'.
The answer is 8 h 48 min
